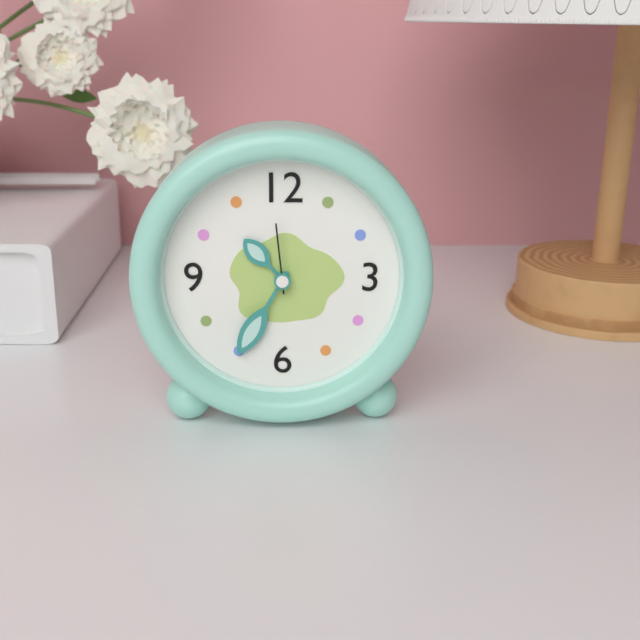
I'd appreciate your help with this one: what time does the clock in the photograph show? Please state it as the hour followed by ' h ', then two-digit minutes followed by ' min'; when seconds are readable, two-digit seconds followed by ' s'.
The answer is 10 h 35 min 59 s
